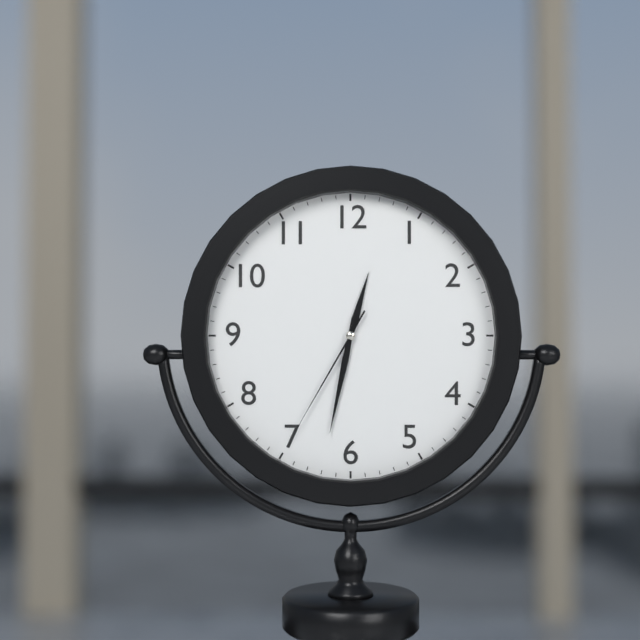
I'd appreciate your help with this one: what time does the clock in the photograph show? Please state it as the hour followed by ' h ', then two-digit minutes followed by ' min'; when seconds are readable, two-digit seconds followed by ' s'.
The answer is 12 h 32 min 35 s
